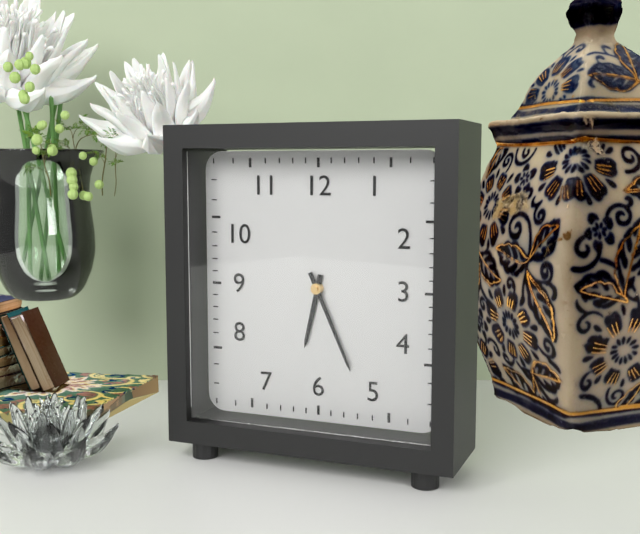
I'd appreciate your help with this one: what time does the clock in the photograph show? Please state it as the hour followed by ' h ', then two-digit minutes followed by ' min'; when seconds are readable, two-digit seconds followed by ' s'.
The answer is 6 h 26 min
